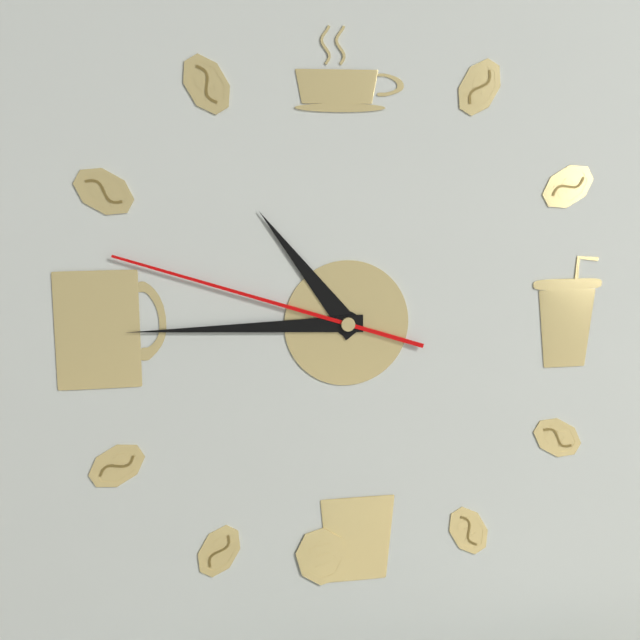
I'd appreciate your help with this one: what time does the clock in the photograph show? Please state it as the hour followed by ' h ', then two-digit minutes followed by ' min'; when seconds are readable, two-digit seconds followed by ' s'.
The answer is 10 h 45 min 48 s
